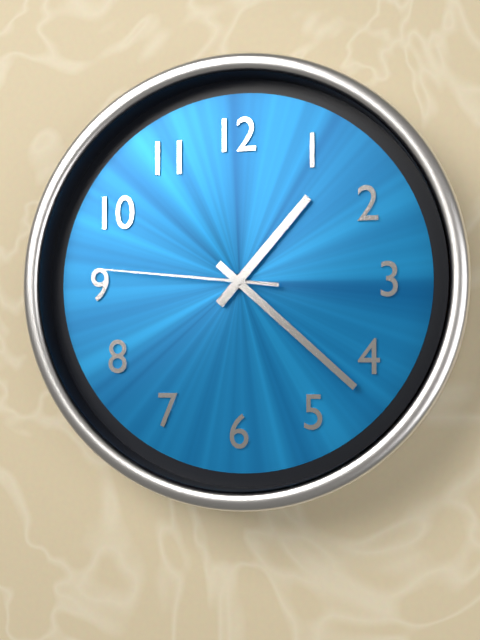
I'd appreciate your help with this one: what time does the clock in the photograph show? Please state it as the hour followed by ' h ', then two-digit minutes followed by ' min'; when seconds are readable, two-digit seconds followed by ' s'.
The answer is 1 h 22 min 46 s
